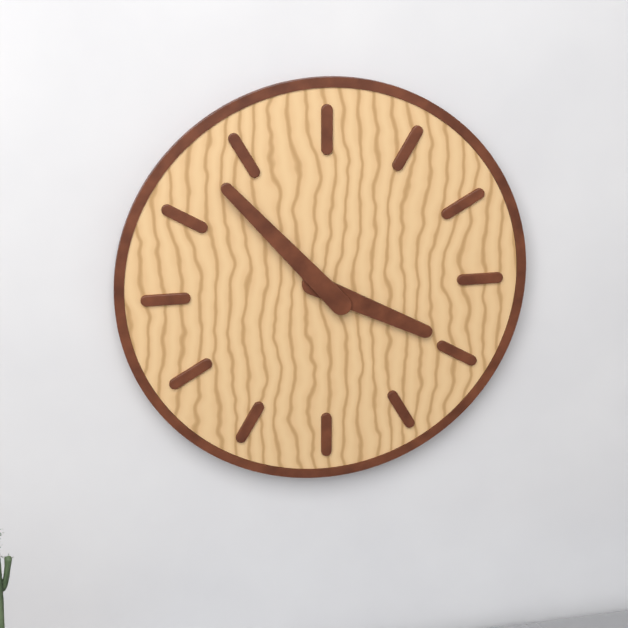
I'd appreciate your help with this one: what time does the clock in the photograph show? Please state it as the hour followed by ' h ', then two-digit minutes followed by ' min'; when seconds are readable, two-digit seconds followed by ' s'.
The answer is 3 h 53 min
